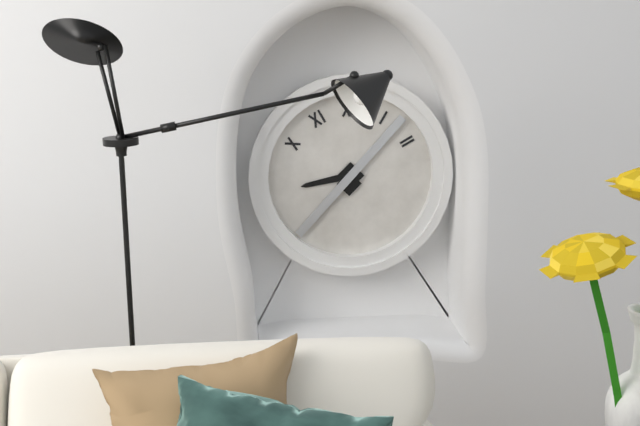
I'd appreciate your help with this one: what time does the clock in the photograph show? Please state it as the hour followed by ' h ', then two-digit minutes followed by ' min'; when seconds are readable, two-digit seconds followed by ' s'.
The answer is 8 h 37 min
